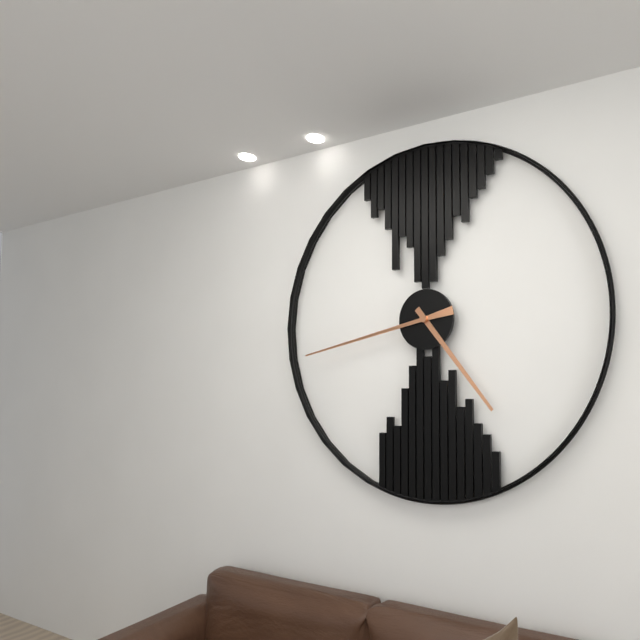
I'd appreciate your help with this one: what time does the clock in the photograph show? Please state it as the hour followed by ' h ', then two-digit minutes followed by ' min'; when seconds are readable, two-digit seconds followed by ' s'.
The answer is 4 h 43 min
